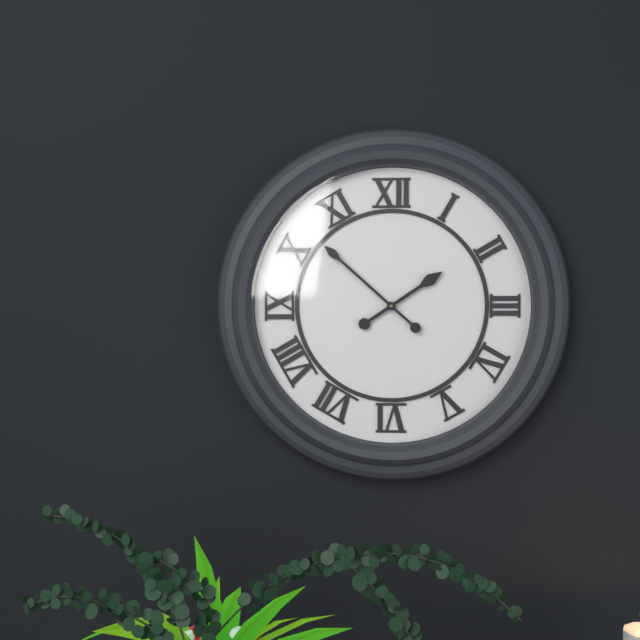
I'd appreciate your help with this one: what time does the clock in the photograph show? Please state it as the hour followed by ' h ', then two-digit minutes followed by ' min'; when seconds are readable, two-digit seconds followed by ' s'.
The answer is 1 h 52 min
